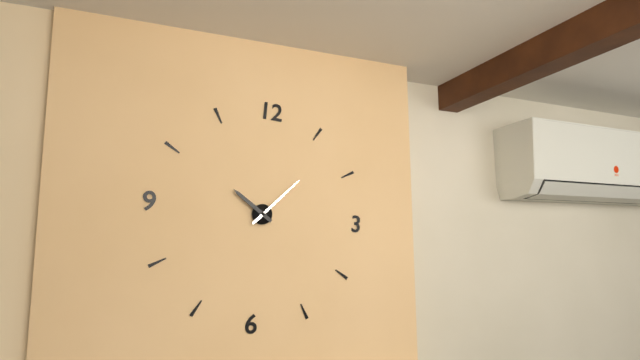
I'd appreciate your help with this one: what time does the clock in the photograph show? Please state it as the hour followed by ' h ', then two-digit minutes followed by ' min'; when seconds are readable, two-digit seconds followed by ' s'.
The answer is 10 h 07 min
